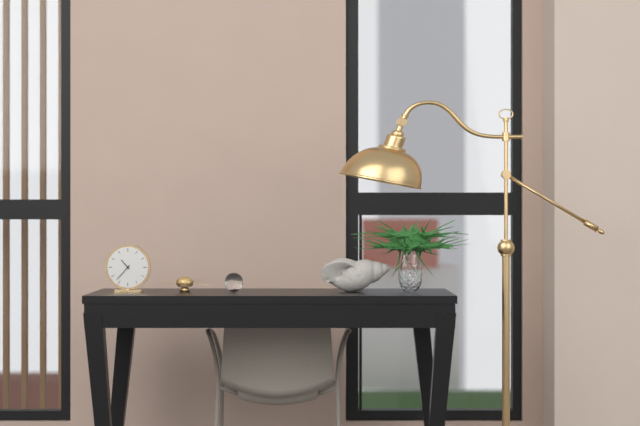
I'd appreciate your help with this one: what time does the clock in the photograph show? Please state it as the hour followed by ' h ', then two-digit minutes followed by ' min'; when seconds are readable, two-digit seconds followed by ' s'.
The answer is 10 h 37 min
